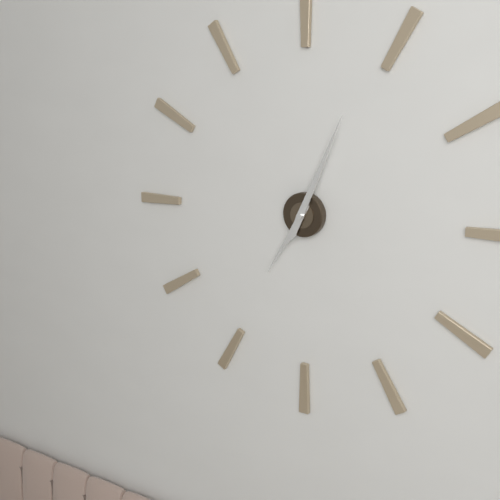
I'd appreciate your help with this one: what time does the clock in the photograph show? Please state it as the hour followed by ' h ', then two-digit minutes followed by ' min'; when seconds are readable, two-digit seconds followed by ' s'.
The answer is 7 h 04 min
